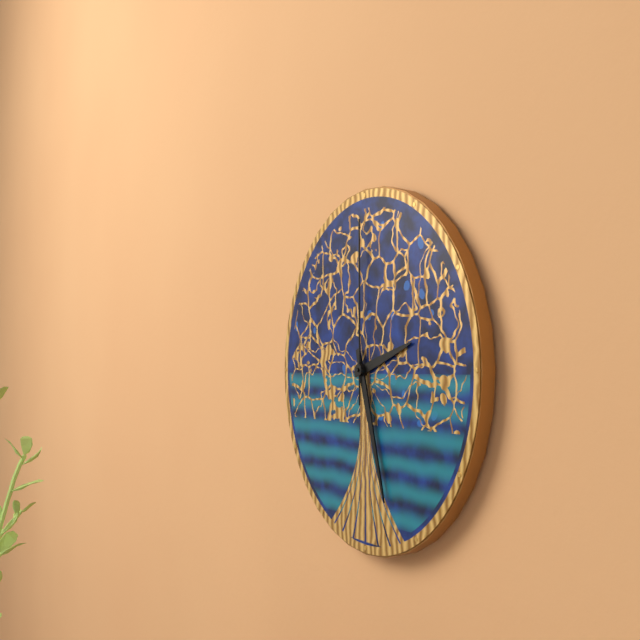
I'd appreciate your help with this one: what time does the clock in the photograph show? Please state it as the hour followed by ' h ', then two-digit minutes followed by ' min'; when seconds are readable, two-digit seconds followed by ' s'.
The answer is 2 h 27 min 00 s
